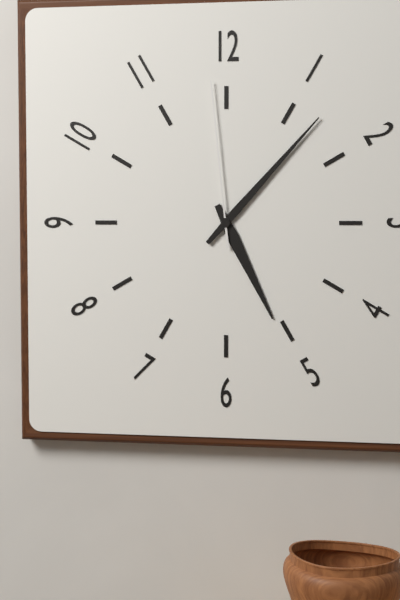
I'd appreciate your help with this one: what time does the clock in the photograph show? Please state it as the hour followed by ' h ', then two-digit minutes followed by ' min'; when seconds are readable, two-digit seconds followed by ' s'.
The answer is 5 h 07 min 59 s
